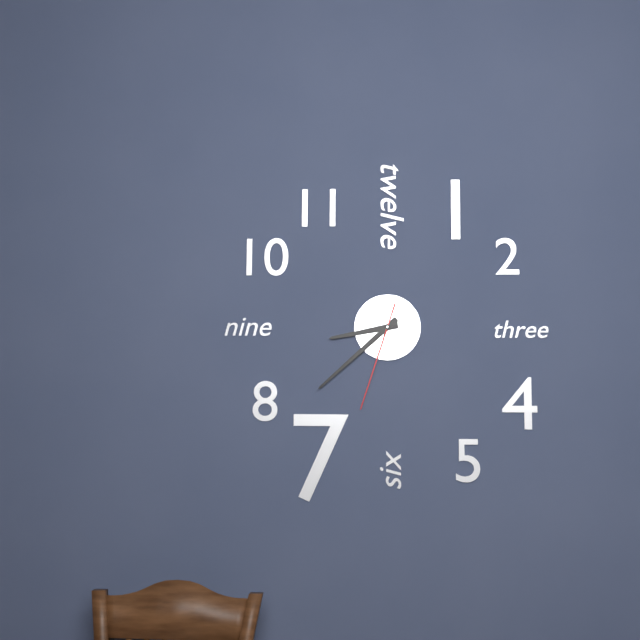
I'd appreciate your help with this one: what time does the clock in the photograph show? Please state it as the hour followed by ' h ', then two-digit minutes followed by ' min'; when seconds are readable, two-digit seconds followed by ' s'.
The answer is 8 h 38 min 33 s
